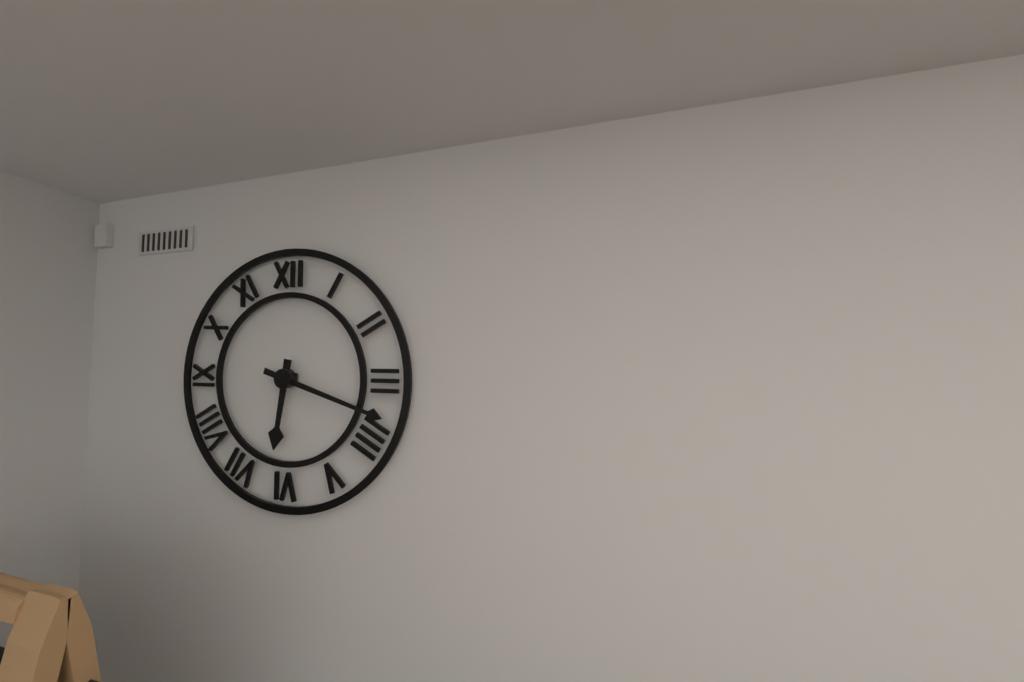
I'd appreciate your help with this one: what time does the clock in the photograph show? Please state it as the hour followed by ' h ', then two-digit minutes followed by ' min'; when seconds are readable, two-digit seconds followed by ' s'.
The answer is 6 h 18 min
